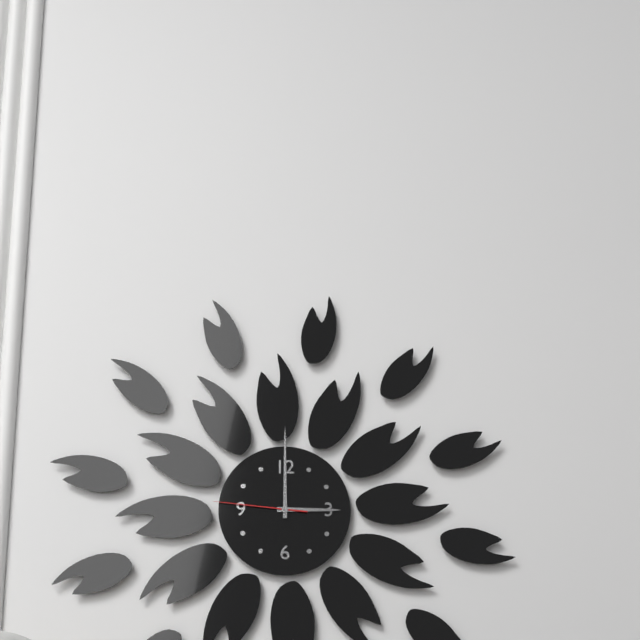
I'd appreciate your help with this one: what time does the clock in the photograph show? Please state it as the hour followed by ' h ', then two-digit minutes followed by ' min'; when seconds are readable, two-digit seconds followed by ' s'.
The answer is 3 h 00 min 46 s
